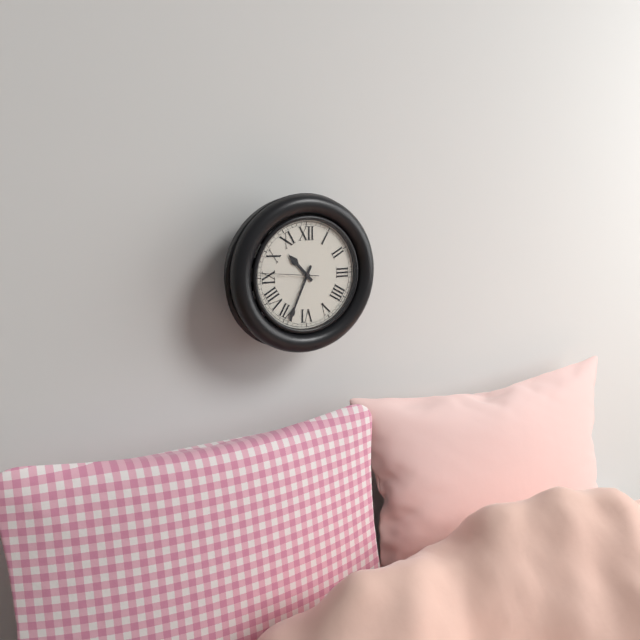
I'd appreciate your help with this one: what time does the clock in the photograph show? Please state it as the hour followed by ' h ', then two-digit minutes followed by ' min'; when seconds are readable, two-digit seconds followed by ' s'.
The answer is 10 h 34 min 46 s
